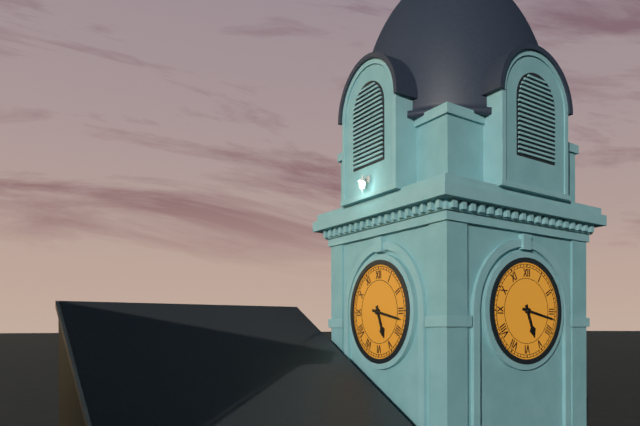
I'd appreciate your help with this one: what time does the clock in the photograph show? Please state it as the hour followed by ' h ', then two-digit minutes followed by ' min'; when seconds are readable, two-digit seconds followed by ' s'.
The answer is 5 h 17 min
